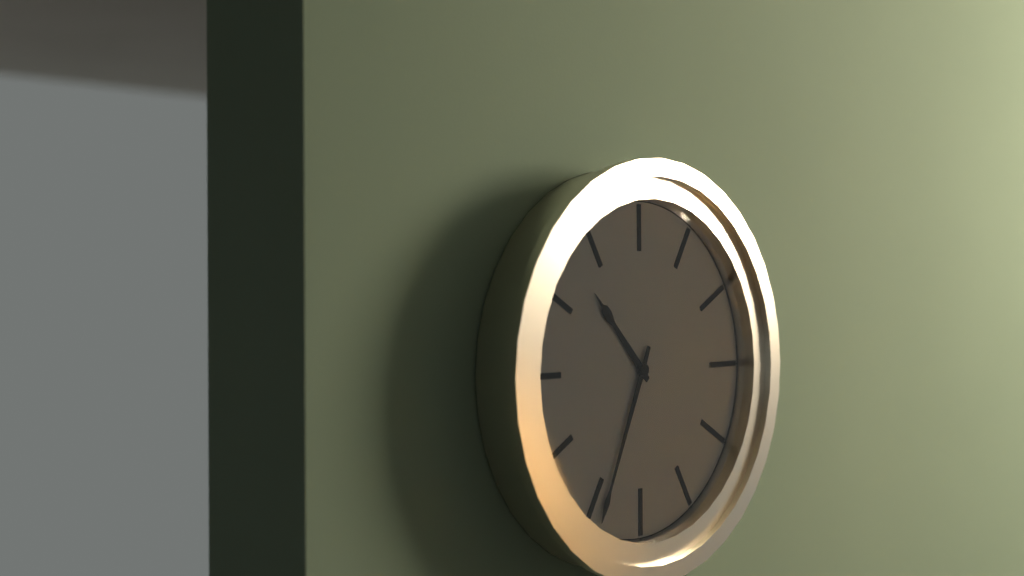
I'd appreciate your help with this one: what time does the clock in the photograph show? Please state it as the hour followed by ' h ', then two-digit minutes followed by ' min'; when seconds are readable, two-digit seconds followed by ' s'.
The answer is 10 h 34 min
